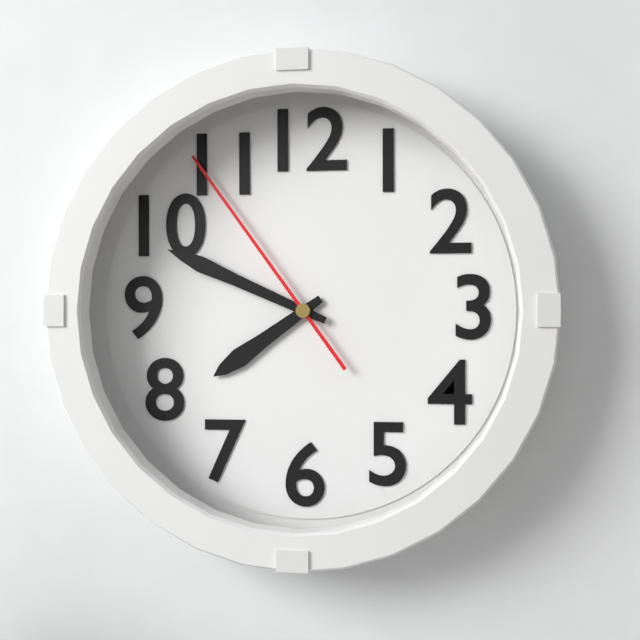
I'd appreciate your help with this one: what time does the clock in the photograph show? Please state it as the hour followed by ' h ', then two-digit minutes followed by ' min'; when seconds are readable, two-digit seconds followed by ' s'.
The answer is 7 h 49 min 54 s
